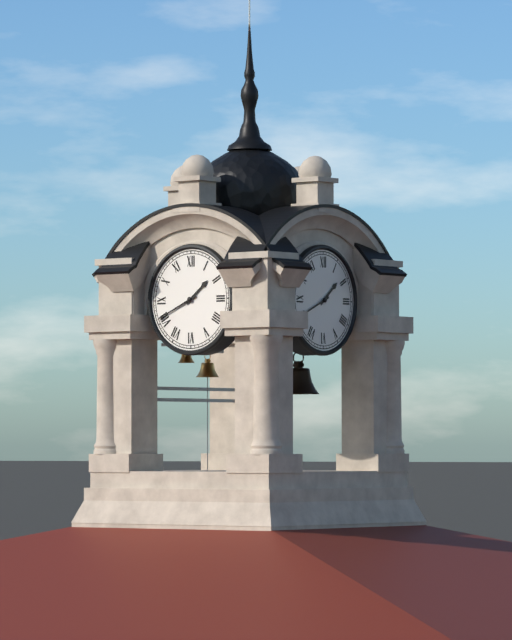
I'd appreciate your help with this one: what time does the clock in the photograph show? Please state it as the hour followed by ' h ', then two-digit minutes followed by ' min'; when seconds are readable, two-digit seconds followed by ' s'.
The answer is 1 h 41 min
